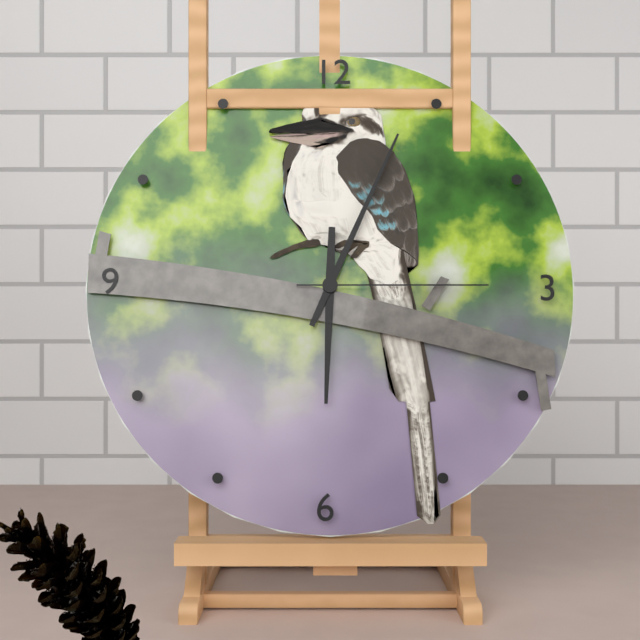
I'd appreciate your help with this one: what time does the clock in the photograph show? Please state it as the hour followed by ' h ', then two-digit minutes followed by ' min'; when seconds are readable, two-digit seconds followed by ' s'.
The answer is 6 h 04 min 15 s
